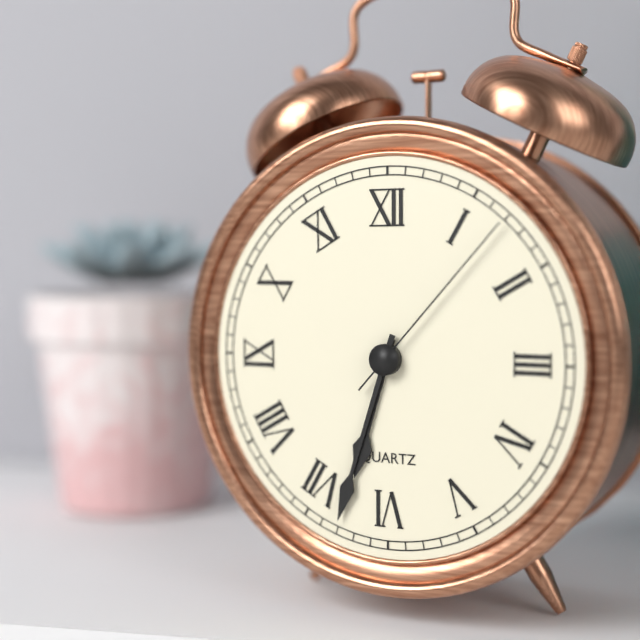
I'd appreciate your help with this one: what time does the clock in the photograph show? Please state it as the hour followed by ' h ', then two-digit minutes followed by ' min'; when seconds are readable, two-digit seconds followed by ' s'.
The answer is 6 h 33 min 07 s
